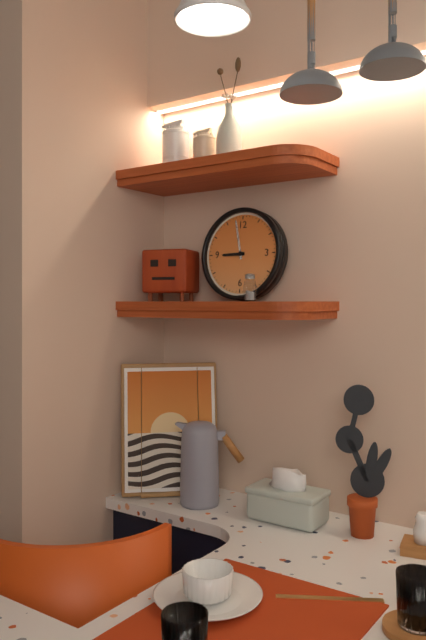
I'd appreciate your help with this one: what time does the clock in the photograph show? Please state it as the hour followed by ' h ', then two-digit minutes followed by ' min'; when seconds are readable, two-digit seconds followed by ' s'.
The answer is 8 h 58 min
